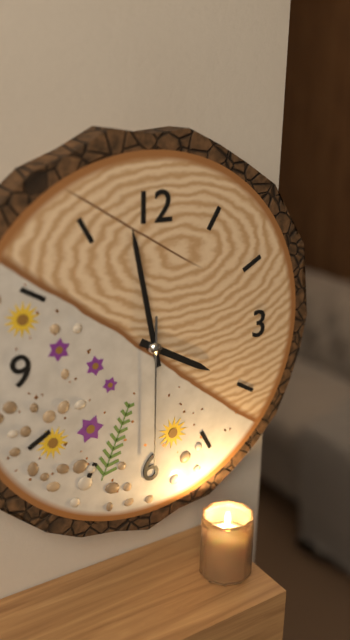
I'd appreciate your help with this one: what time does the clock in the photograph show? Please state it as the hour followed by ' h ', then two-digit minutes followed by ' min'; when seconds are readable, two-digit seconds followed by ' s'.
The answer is 3 h 58 min 30 s
